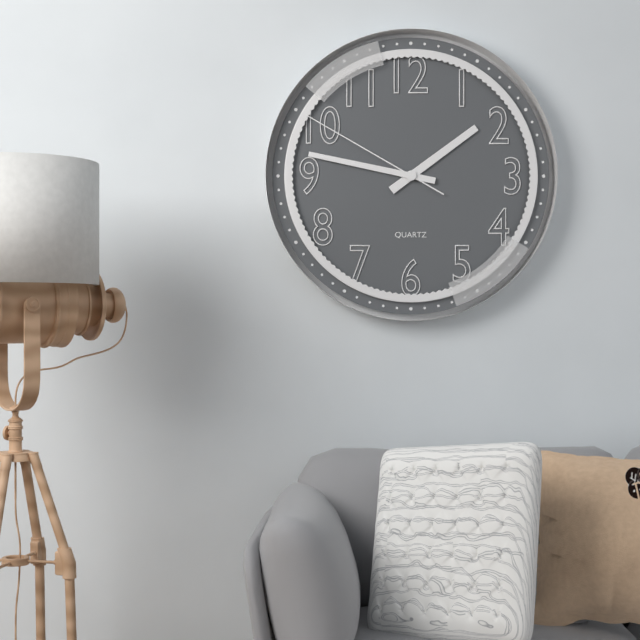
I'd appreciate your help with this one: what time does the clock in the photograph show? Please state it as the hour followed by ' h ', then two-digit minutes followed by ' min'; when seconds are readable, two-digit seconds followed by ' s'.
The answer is 1 h 47 min 50 s
